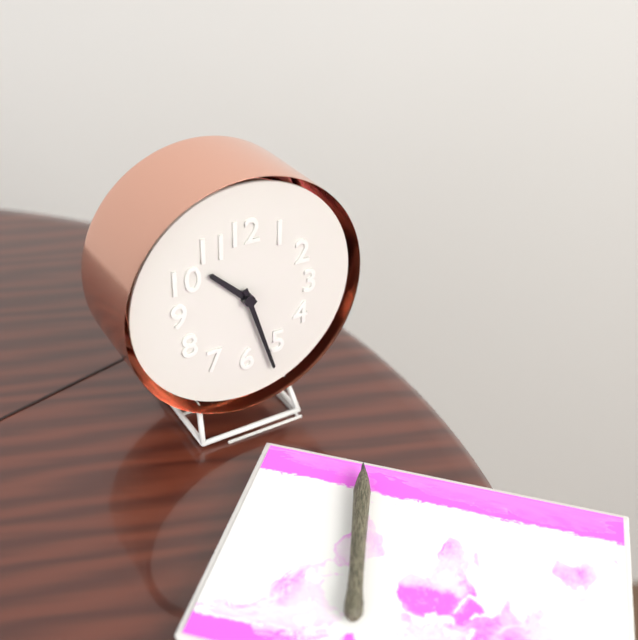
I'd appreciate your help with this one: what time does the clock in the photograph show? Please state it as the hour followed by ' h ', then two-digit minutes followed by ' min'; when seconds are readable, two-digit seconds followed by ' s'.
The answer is 10 h 27 min
